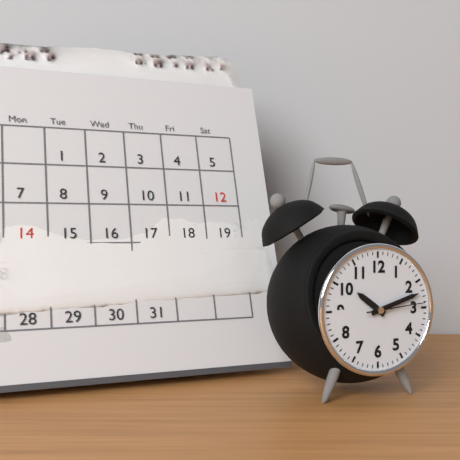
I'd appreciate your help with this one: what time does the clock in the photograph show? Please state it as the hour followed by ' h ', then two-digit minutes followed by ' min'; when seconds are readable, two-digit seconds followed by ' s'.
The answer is 10 h 12 min 14 s
